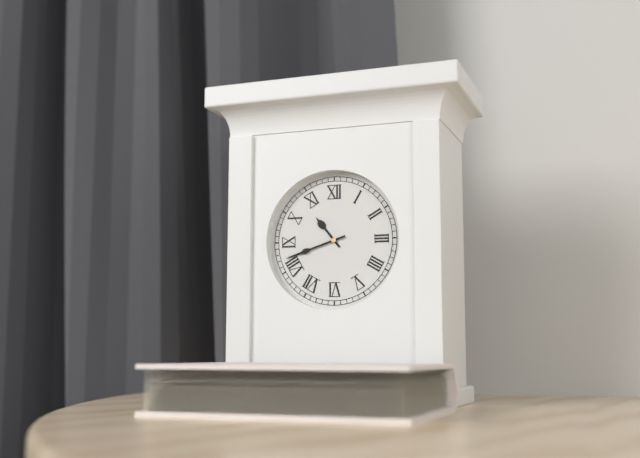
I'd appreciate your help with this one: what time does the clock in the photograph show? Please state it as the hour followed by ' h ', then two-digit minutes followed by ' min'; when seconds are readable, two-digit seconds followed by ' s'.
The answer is 10 h 42 min
